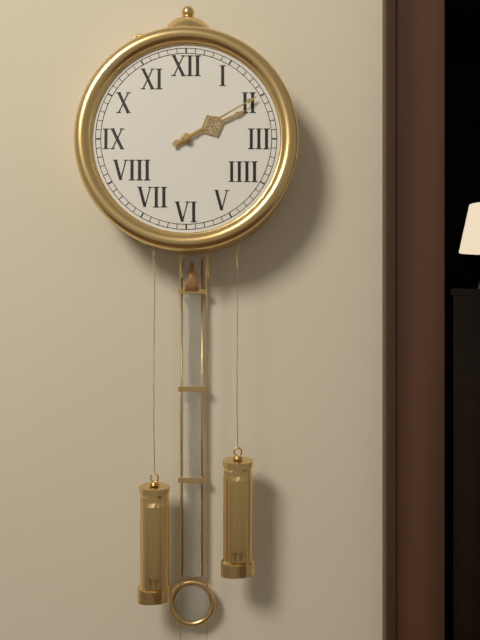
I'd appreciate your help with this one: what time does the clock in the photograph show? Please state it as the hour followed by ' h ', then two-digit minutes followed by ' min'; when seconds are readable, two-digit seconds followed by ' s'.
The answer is 2 h 10 min
